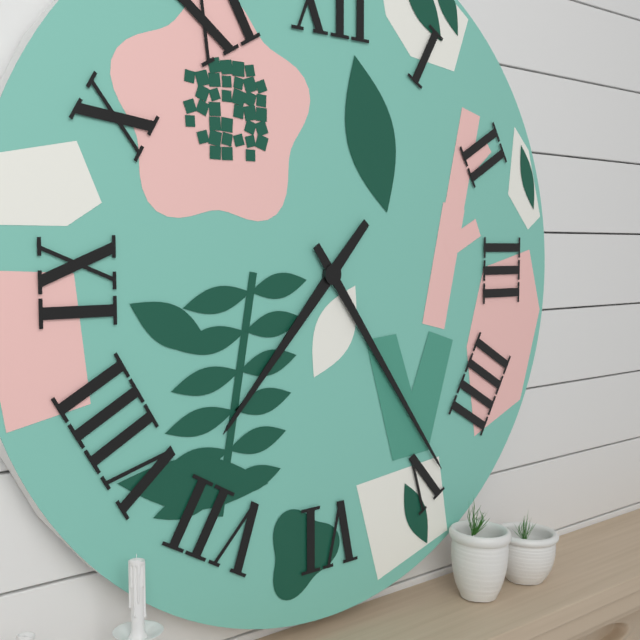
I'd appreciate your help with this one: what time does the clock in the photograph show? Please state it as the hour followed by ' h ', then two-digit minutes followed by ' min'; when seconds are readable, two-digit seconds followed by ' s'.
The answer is 7 h 24 min
